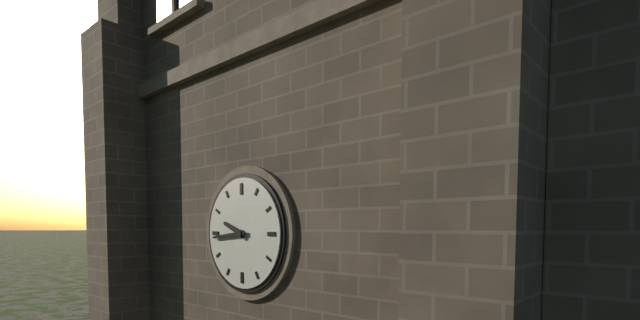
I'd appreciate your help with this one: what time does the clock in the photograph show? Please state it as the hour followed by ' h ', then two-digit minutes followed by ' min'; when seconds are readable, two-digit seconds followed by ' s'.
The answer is 9 h 44 min
